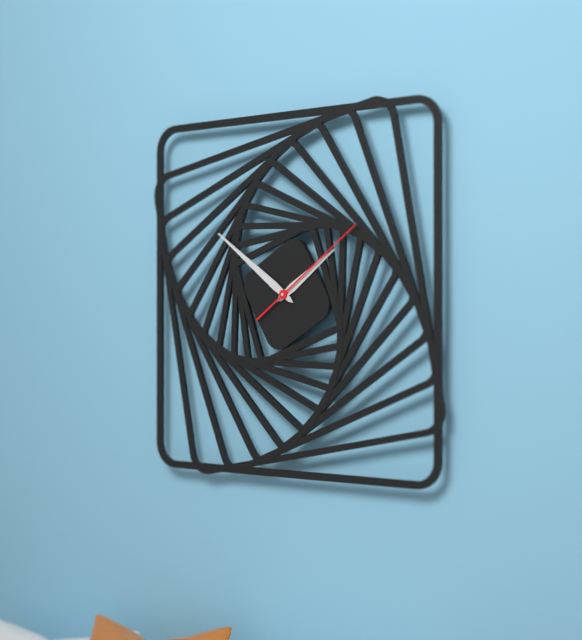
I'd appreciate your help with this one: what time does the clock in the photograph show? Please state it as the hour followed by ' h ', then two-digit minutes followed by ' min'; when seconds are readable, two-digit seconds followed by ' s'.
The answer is 1 h 51 min 09 s
